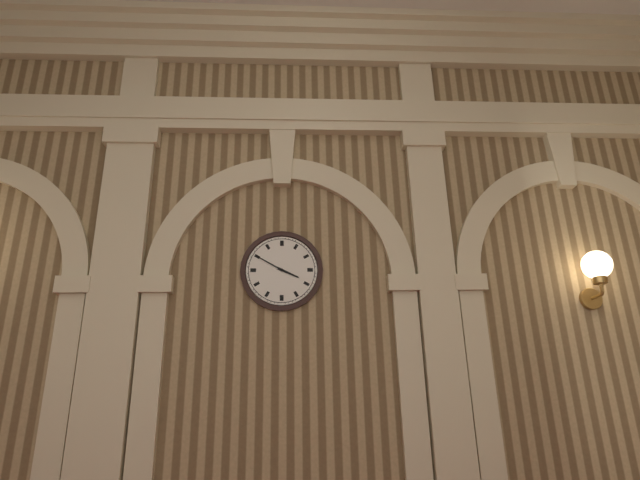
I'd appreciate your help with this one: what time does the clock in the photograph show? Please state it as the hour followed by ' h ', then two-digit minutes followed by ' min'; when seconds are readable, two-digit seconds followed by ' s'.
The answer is 3 h 50 min
